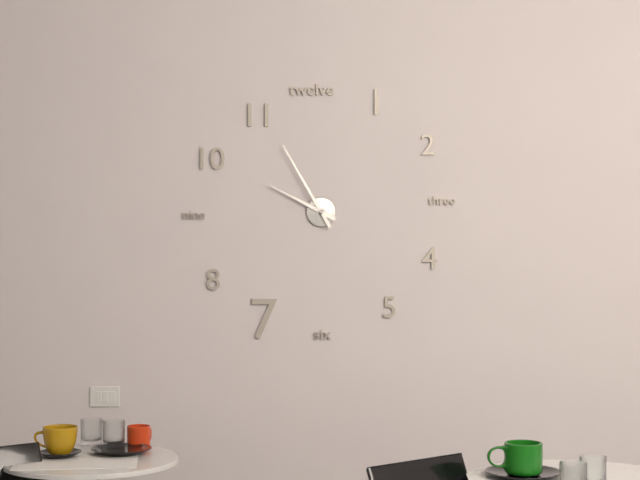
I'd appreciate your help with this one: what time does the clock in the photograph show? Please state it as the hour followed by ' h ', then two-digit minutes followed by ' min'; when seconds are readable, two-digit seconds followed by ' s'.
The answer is 9 h 55 min
